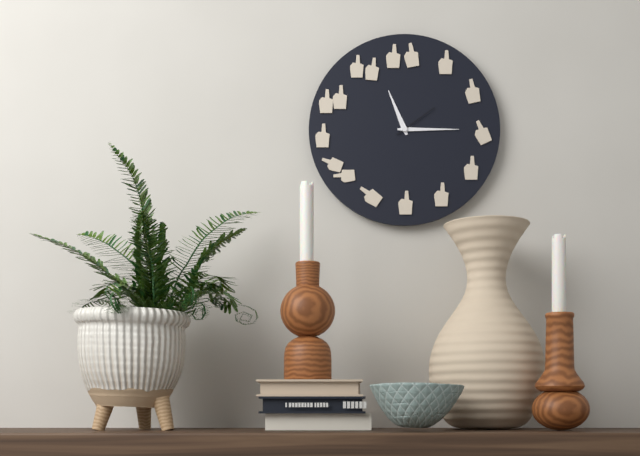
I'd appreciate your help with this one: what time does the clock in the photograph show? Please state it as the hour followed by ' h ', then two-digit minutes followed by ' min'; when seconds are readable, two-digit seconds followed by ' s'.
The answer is 11 h 15 min 09 s
